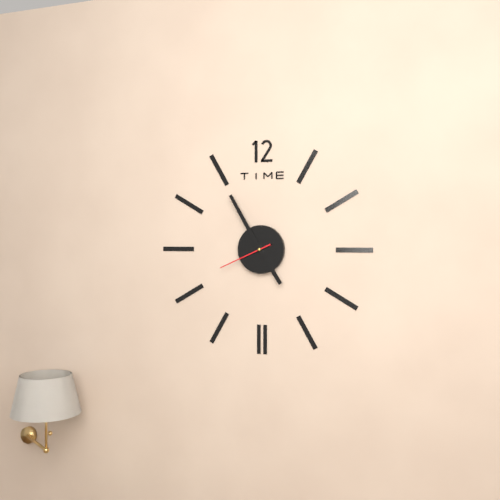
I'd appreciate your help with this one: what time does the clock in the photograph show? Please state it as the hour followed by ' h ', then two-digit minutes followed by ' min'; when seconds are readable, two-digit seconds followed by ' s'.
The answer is 4 h 55 min 41 s
